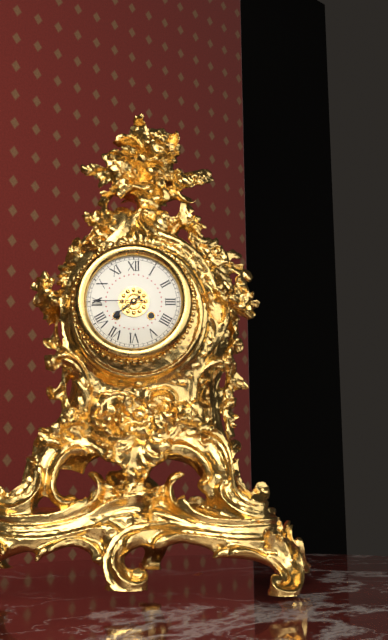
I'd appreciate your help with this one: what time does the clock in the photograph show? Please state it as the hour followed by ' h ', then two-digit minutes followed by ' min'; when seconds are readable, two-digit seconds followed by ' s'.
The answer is 7 h 45 min
